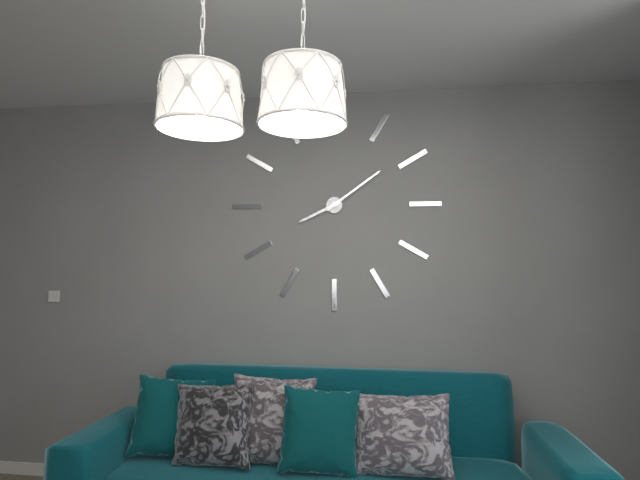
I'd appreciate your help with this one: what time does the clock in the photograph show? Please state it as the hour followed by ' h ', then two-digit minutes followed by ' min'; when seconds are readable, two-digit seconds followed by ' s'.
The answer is 8 h 09 min
